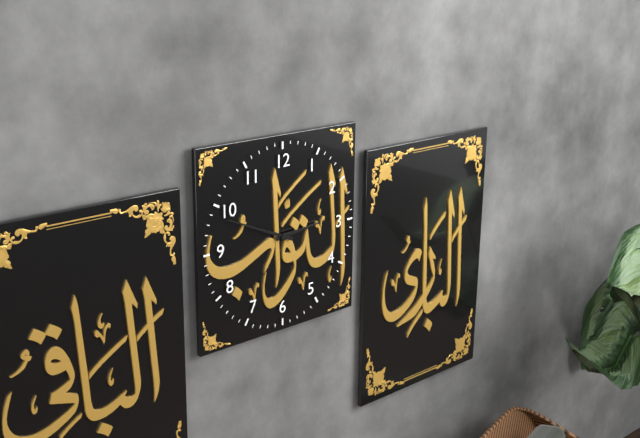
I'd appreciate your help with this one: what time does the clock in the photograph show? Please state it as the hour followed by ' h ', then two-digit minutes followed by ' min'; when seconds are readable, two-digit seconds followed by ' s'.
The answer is 2 h 49 min
